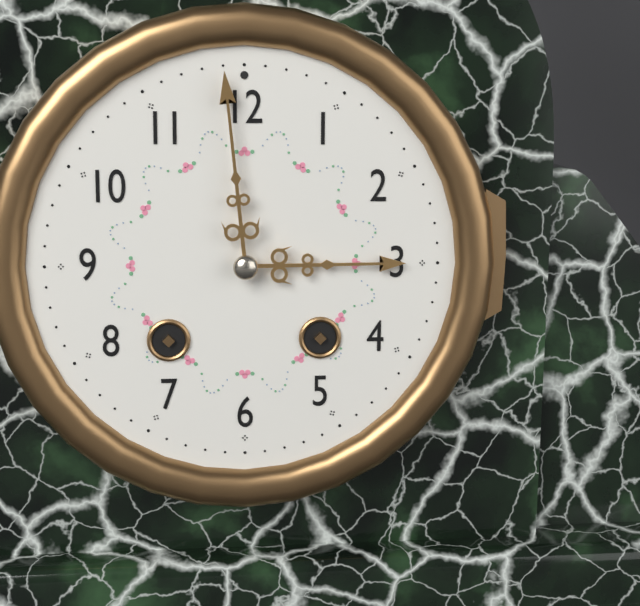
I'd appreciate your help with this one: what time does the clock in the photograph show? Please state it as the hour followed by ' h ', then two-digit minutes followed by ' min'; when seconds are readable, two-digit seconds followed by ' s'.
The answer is 2 h 59 min
